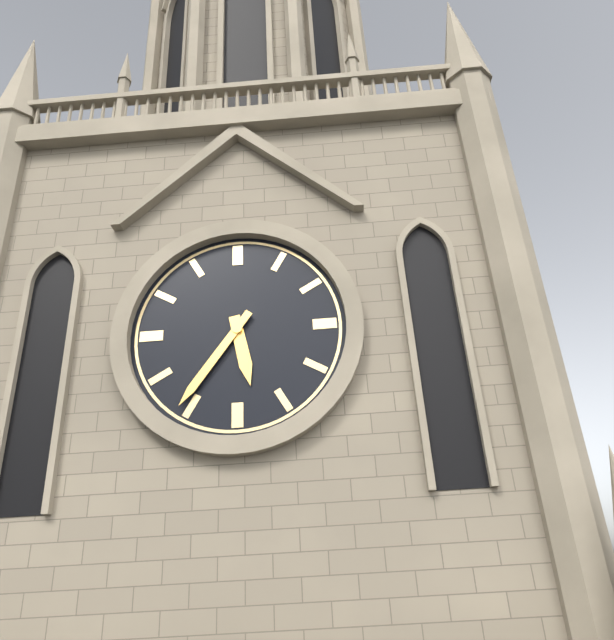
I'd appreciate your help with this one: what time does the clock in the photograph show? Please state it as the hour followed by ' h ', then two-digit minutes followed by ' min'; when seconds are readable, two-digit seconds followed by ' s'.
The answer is 5 h 36 min
